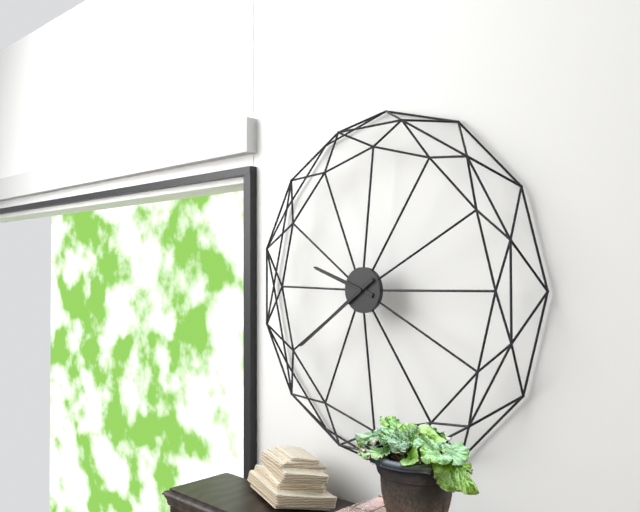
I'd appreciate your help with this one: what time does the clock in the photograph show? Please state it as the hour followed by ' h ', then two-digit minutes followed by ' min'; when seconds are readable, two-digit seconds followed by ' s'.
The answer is 9 h 39 min
